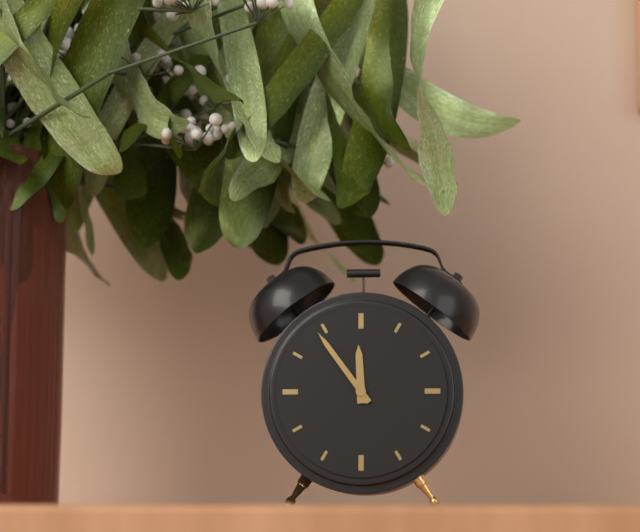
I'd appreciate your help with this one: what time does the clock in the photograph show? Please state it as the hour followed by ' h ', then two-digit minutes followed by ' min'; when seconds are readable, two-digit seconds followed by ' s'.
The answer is 11 h 54 min
